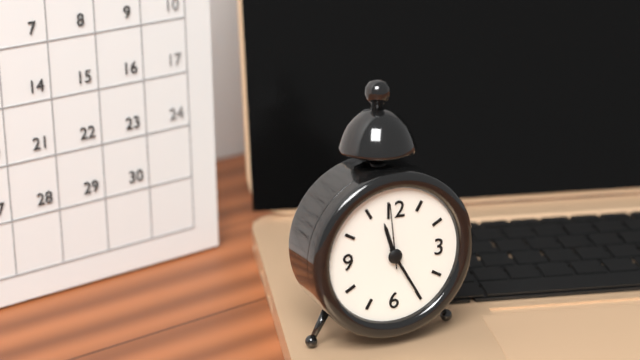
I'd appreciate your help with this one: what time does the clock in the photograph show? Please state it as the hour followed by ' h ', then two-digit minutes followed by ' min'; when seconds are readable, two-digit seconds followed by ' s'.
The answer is 11 h 25 min 59 s
